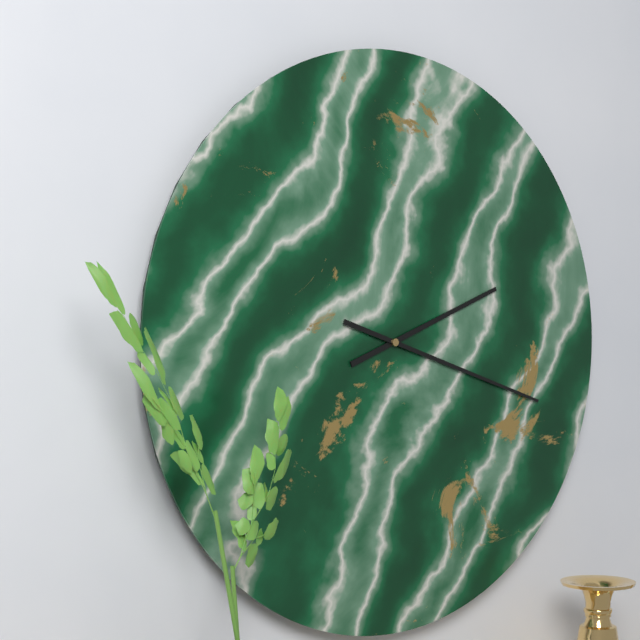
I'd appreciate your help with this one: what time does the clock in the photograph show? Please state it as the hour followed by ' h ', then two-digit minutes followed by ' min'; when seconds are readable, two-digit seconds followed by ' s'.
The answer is 2 h 18 min
